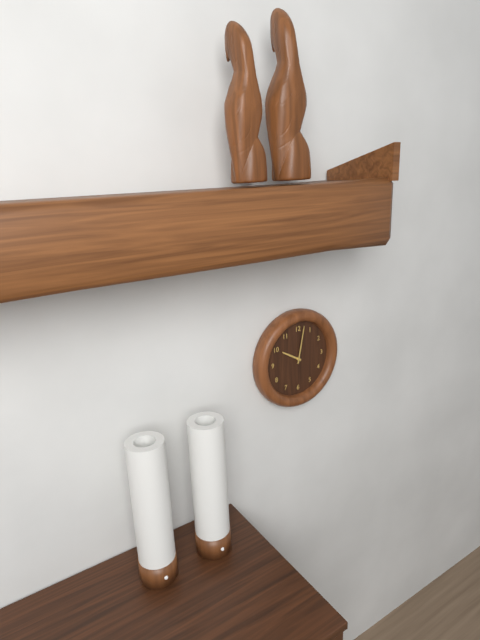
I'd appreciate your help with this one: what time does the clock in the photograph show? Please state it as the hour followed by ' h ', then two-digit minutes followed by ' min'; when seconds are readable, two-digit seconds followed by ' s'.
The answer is 10 h 02 min
